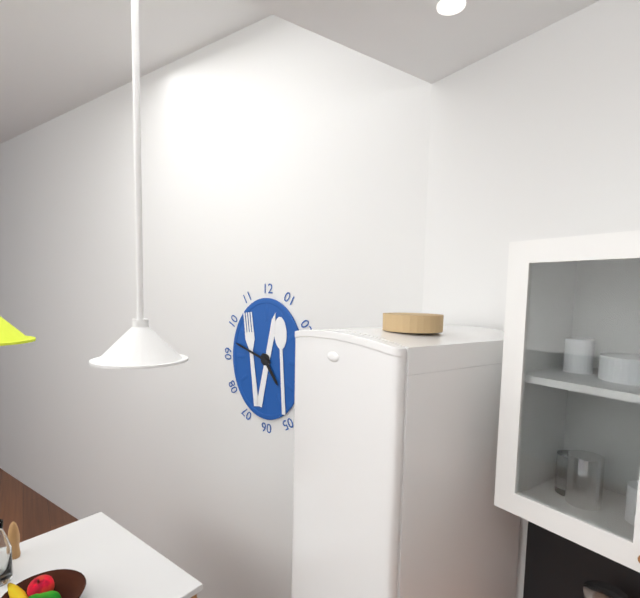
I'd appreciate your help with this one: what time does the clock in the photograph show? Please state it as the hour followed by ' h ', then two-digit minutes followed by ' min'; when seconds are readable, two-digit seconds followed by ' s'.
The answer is 4 h 48 min
